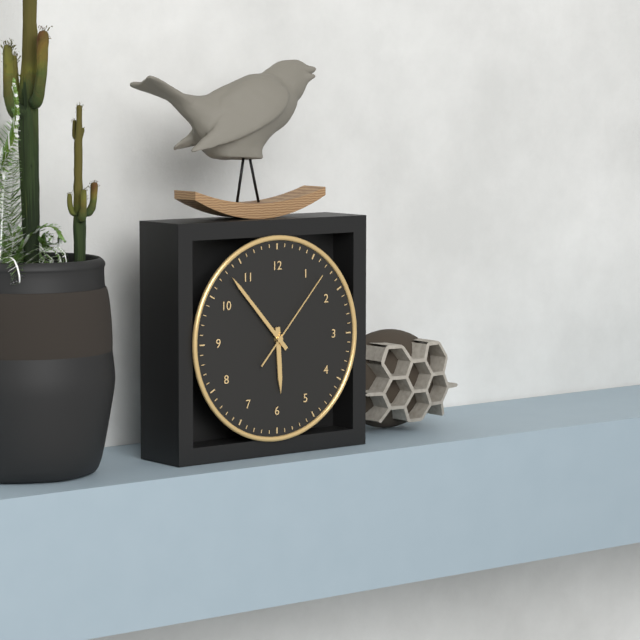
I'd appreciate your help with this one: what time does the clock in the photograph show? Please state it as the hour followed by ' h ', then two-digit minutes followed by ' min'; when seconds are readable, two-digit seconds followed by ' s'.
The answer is 5 h 53 min 07 s
